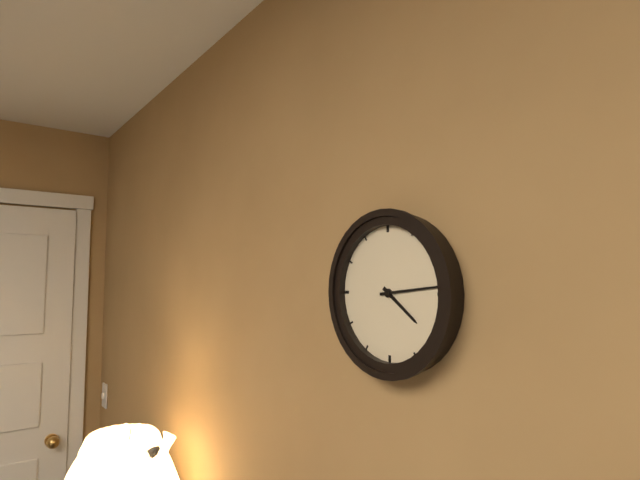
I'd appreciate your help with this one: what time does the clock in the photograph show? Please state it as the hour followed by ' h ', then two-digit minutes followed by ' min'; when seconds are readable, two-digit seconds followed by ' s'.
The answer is 4 h 14 min
